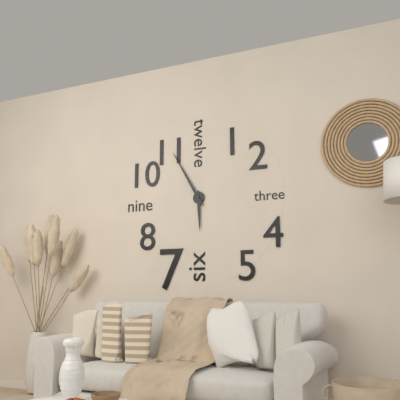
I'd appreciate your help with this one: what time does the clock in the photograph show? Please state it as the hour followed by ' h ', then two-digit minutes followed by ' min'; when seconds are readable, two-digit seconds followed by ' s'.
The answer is 5 h 55 min
